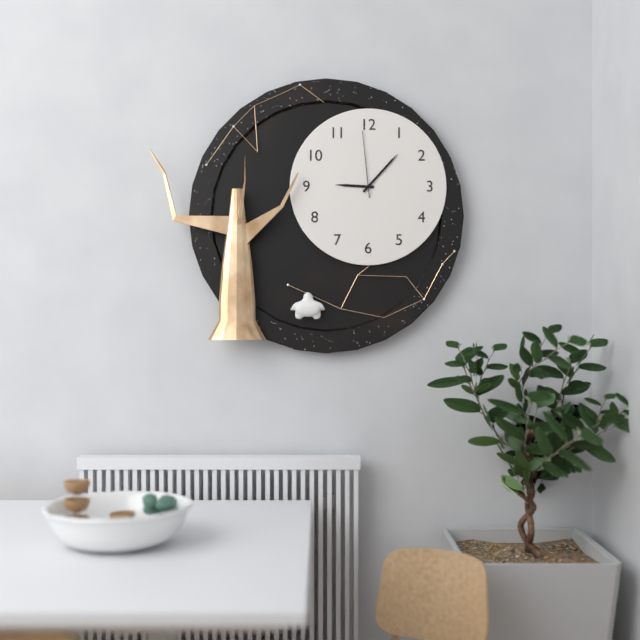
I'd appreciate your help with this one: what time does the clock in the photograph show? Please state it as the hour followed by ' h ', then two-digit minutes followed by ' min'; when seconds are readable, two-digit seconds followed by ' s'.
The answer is 9 h 07 min 59 s
